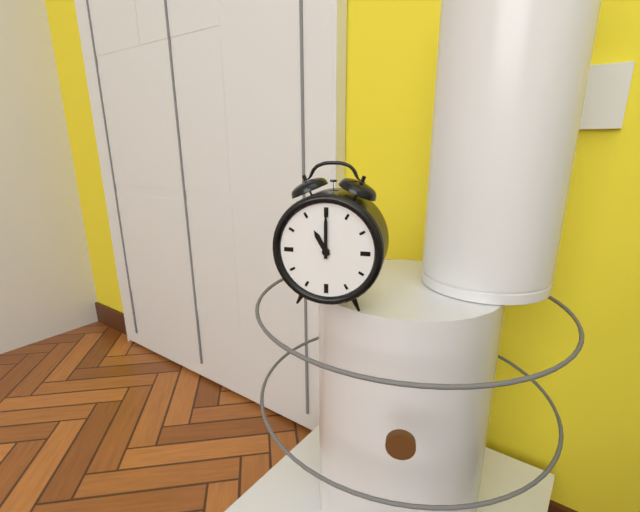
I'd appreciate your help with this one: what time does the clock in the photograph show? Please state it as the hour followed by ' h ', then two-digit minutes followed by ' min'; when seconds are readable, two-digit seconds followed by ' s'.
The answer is 11 h 00 min
